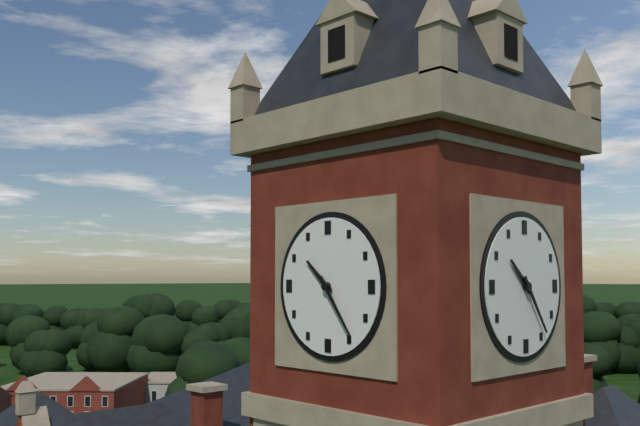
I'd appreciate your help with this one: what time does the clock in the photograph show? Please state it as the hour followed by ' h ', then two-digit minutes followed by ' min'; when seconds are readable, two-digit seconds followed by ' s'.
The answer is 10 h 24 min
